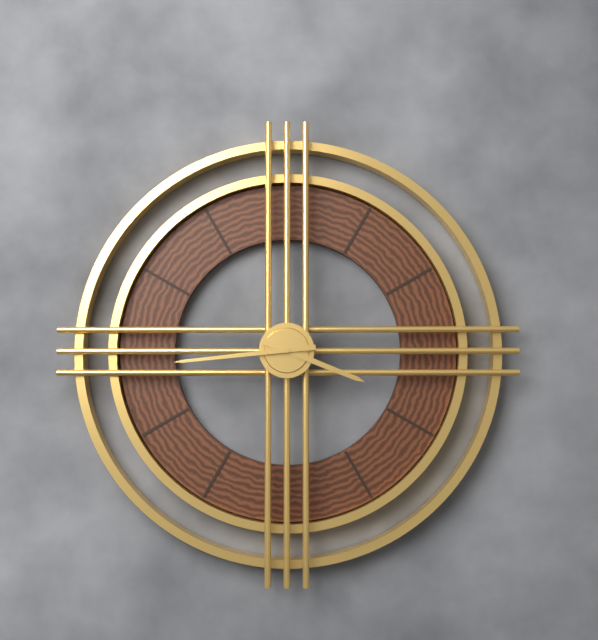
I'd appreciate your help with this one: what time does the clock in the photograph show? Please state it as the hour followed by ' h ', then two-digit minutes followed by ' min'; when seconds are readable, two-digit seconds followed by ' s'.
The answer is 3 h 44 min
